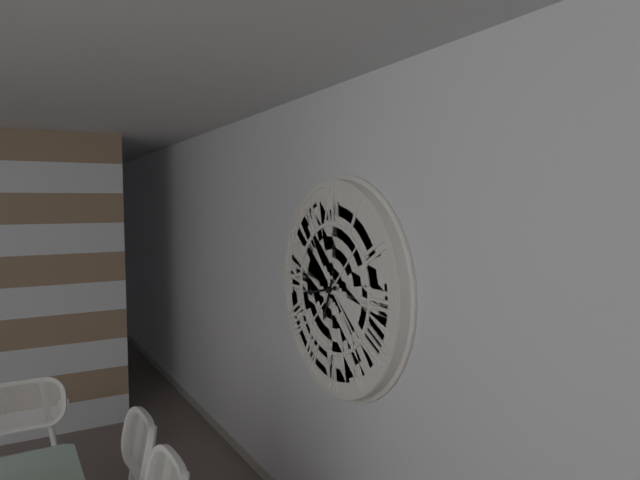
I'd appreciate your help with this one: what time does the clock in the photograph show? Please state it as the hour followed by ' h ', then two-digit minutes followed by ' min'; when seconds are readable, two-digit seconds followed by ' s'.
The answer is 6 h 43 min
